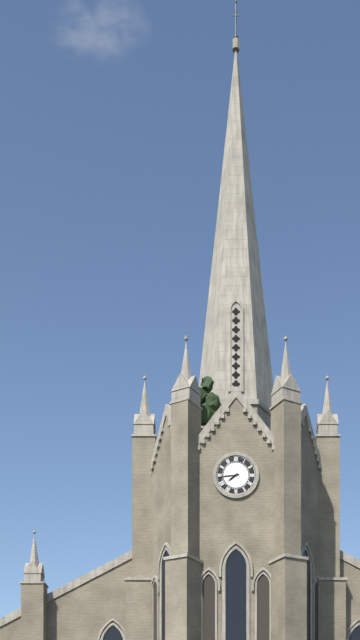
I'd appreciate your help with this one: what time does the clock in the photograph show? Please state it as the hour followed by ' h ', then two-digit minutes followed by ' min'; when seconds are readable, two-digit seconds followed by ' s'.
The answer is 7 h 44 min
